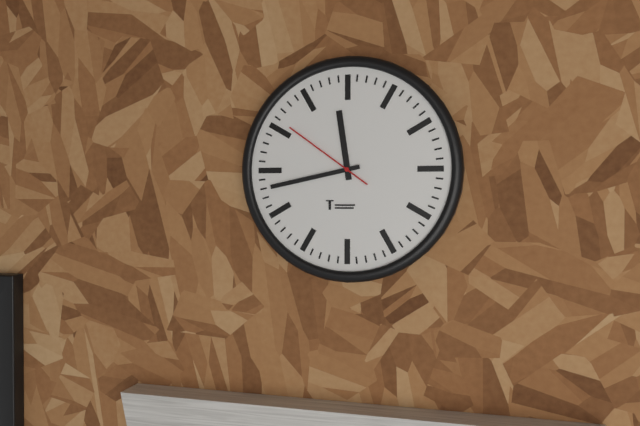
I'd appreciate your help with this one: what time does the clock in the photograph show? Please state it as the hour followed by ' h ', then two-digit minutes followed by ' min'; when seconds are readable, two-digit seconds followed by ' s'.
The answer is 11 h 43 min 51 s
